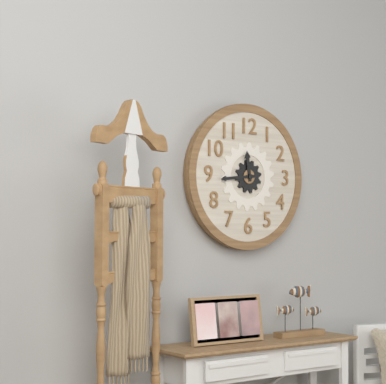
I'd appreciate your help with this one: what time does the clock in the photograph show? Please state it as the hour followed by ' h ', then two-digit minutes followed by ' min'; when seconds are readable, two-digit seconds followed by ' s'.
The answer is 11 h 44 min
